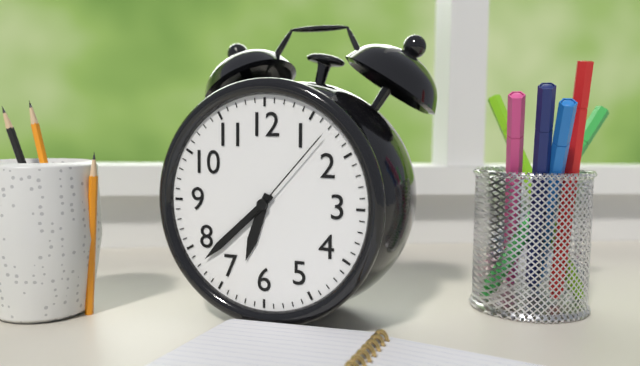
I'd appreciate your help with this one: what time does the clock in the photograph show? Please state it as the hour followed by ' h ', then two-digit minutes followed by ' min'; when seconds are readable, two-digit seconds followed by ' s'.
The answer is 6 h 38 min 07 s
